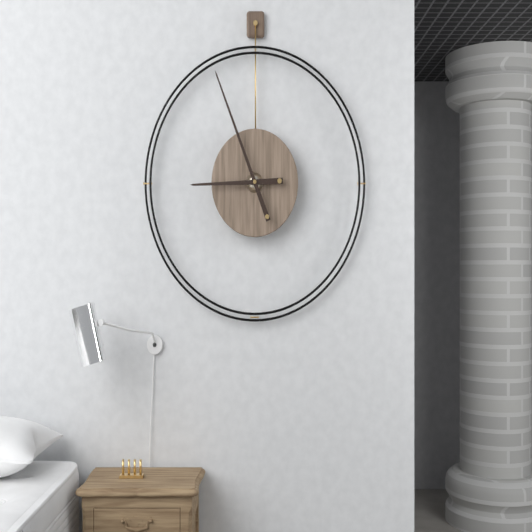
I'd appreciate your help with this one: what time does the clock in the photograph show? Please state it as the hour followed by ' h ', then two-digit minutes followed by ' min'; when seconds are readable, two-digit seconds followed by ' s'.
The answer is 8 h 56 min
